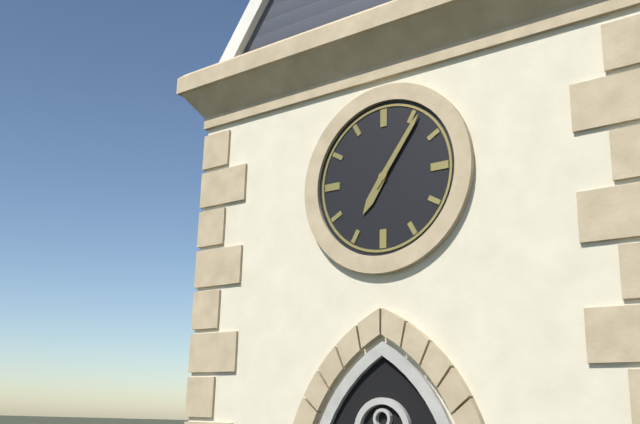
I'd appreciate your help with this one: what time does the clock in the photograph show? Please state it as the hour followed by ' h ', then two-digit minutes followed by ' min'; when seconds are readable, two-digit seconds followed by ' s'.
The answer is 7 h 06 min
